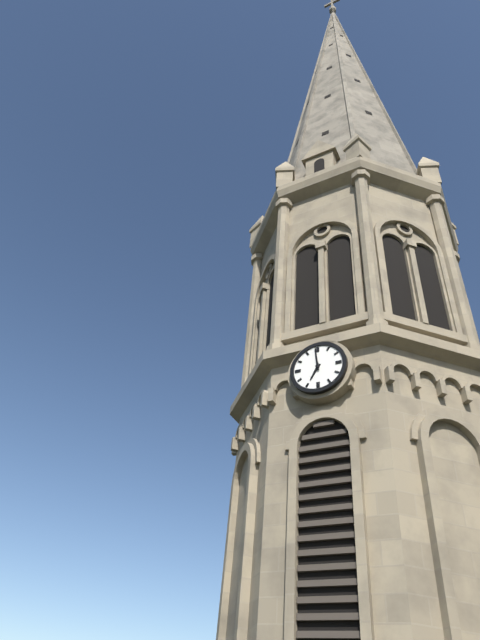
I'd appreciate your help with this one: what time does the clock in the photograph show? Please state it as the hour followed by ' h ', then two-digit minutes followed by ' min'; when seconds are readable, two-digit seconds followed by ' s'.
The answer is 6 h 59 min
